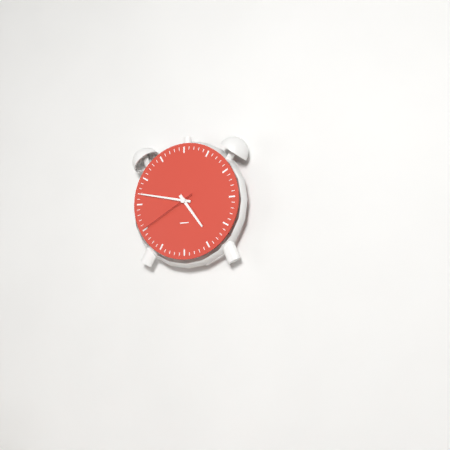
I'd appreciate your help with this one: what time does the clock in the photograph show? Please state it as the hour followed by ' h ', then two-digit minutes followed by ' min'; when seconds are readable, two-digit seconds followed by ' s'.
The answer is 4 h 47 min 40 s
